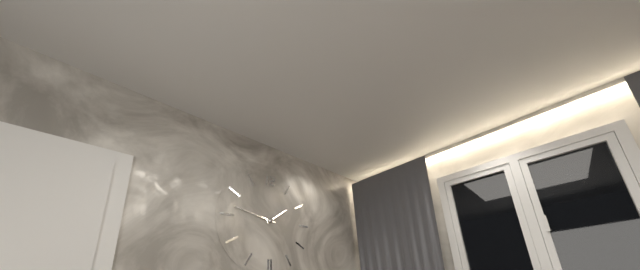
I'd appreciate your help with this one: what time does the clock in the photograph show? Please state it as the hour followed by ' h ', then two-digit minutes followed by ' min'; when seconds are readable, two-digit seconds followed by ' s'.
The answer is 1 h 47 min
